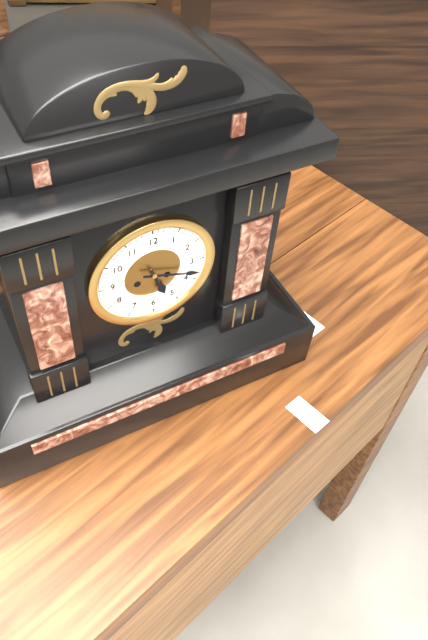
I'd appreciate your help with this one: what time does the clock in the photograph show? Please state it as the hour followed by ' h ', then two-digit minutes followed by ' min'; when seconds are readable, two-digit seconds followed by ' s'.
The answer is 5 h 18 min
